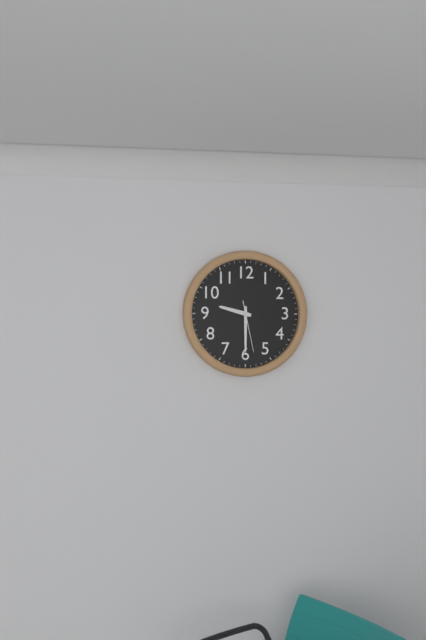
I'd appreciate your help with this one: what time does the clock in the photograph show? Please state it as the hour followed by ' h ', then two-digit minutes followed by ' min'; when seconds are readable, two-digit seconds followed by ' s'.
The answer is 9 h 30 min 28 s
